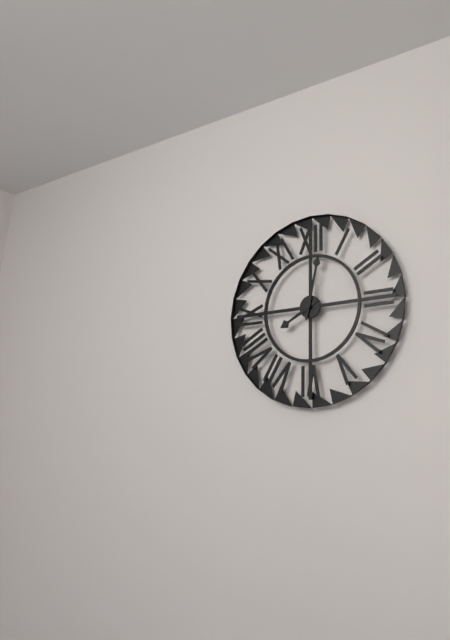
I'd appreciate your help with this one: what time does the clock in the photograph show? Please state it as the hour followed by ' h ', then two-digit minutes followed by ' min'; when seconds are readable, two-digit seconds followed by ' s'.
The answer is 8 h 02 min
